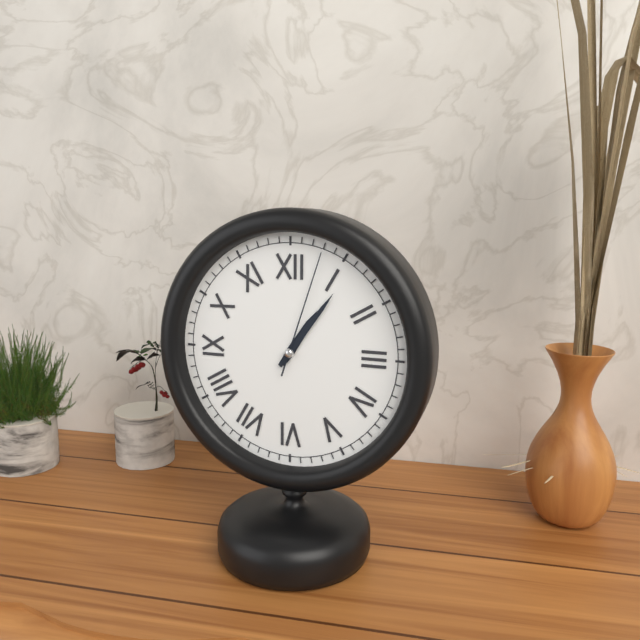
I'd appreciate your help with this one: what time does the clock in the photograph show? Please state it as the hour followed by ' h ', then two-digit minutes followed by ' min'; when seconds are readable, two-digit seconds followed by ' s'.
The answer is 1 h 06 min 03 s
